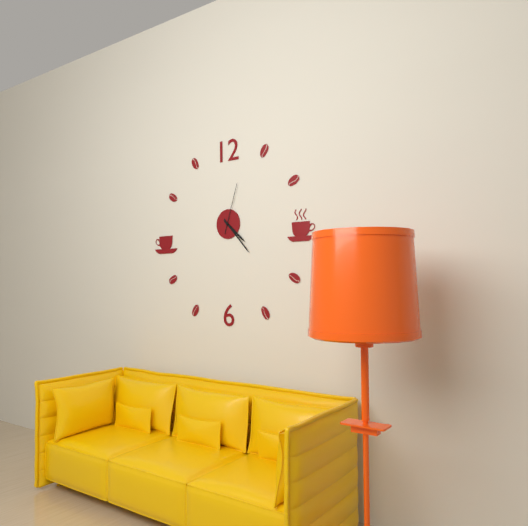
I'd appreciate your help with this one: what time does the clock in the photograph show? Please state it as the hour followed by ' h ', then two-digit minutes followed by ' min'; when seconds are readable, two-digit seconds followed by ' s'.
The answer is 4 h 23 min 03 s
